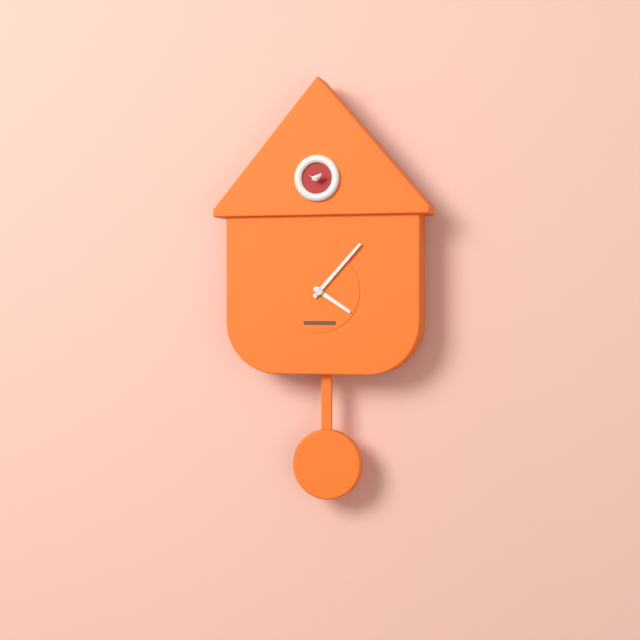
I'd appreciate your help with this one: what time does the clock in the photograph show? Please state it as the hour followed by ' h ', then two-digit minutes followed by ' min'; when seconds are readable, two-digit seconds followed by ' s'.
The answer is 4 h 07 min
